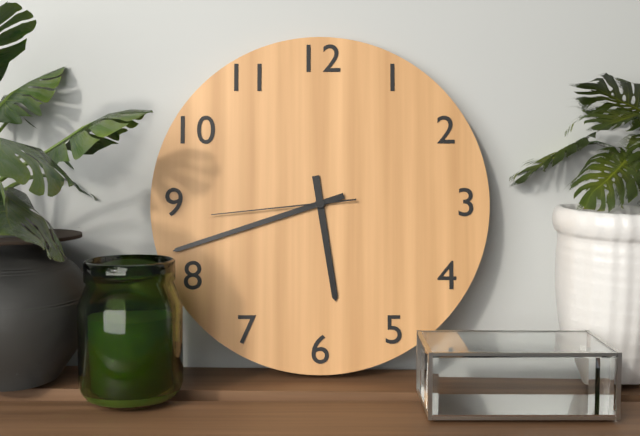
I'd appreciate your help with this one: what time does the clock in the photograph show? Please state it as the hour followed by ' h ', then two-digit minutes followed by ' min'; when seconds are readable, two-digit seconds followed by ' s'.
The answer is 5 h 42 min 44 s
